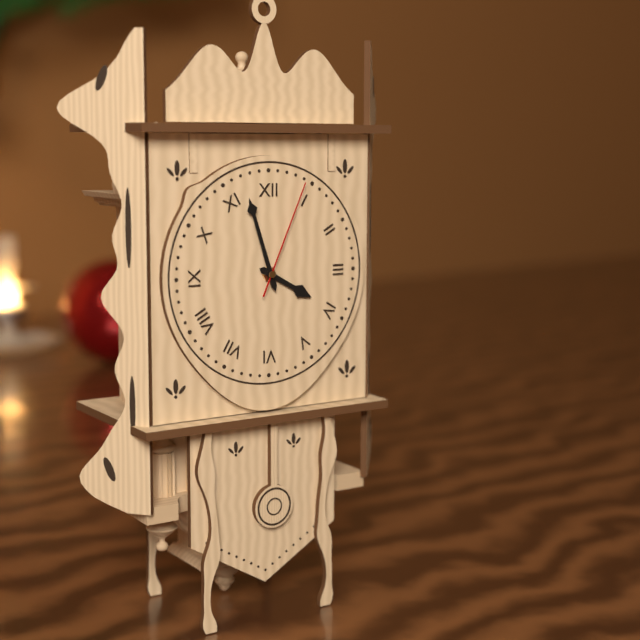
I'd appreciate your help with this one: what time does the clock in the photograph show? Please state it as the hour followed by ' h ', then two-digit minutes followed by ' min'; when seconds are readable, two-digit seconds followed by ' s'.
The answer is 3 h 57 min 04 s
